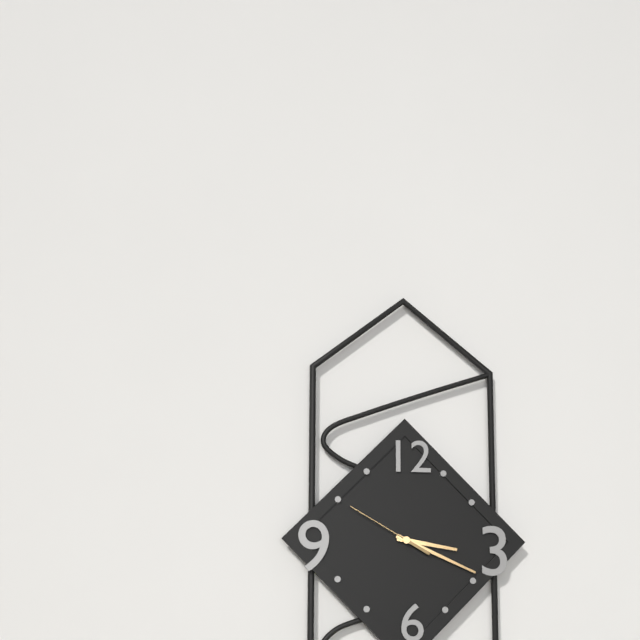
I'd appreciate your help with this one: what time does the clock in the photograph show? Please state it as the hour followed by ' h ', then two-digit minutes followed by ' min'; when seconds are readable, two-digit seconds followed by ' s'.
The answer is 3 h 19 min 50 s
